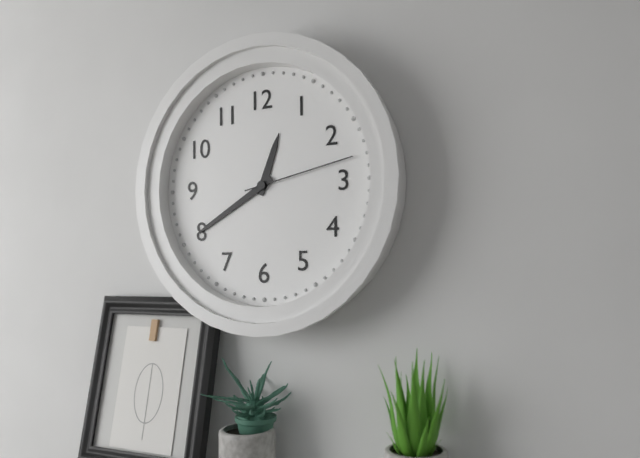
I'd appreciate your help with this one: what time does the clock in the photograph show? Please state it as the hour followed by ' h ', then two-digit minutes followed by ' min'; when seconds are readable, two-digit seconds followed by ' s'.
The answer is 12 h 40 min 13 s
